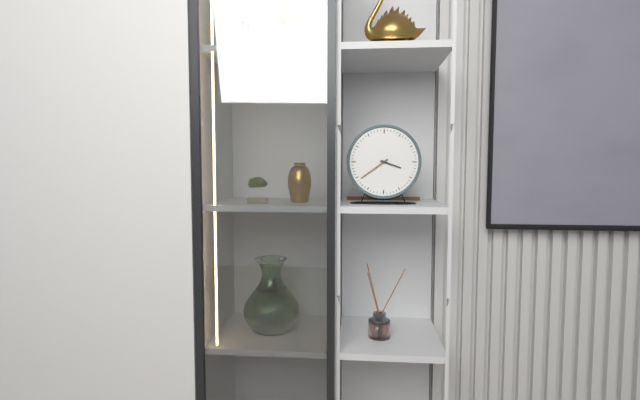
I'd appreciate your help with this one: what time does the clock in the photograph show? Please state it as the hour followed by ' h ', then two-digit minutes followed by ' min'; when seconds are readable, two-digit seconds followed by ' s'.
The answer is 3 h 39 min
